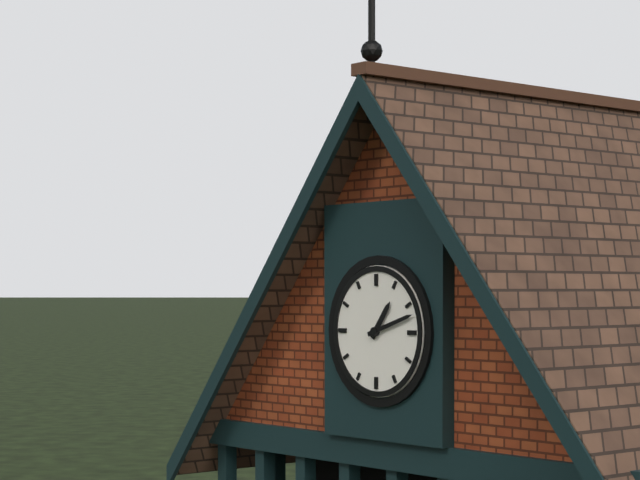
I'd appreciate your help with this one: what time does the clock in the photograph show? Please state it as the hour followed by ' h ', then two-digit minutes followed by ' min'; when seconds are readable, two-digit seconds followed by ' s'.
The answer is 1 h 12 min
